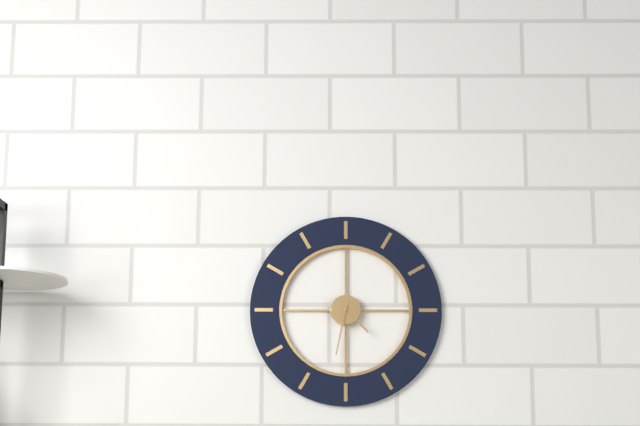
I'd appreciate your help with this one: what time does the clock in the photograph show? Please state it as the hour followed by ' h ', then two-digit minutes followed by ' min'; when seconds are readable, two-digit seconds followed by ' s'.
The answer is 4 h 32 min
